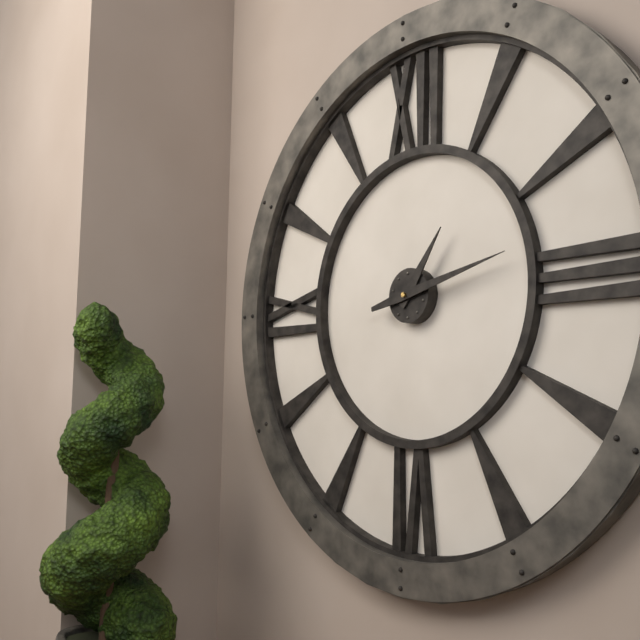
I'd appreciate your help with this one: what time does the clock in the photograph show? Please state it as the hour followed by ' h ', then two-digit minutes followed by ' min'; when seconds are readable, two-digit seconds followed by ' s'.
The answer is 1 h 13 min
